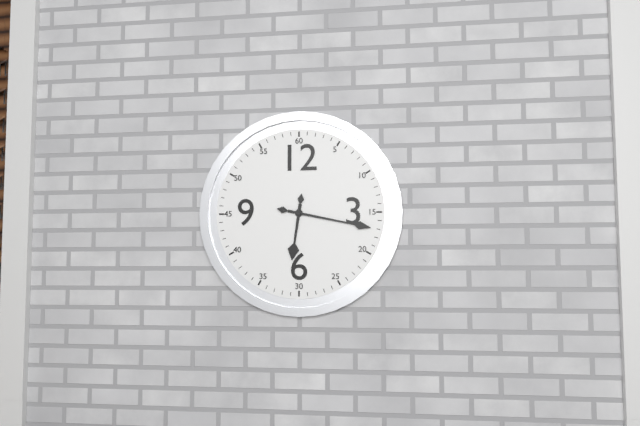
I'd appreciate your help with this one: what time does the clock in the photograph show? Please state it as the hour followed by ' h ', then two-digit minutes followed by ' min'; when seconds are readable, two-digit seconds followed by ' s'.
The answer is 6 h 17 min
